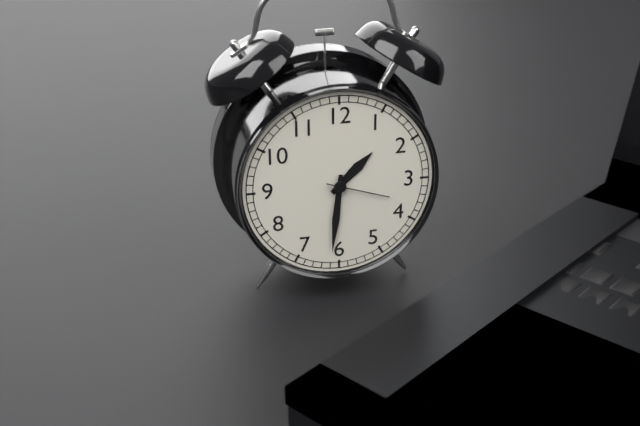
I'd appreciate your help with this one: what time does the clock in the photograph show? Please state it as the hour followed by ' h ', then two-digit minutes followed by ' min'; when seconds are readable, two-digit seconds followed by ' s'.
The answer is 1 h 31 min 18 s
